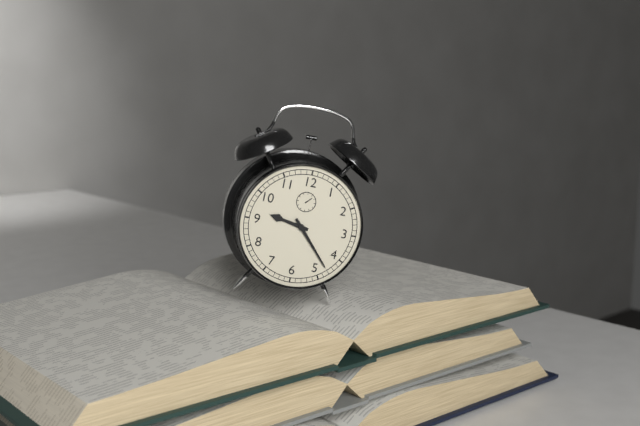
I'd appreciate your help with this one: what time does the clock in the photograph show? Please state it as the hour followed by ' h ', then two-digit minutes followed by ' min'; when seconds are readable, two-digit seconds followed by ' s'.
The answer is 9 h 23 min
